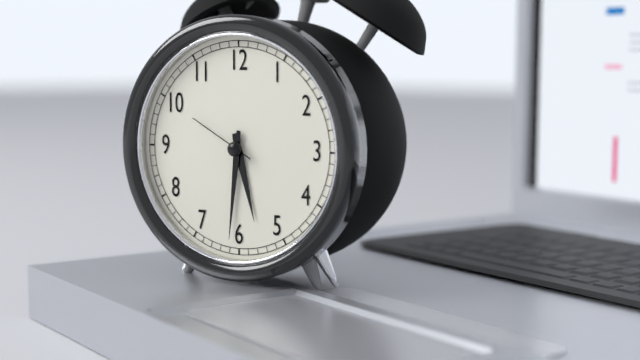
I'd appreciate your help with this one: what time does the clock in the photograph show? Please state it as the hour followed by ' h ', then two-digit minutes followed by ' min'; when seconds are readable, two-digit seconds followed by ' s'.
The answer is 5 h 31 min 50 s
